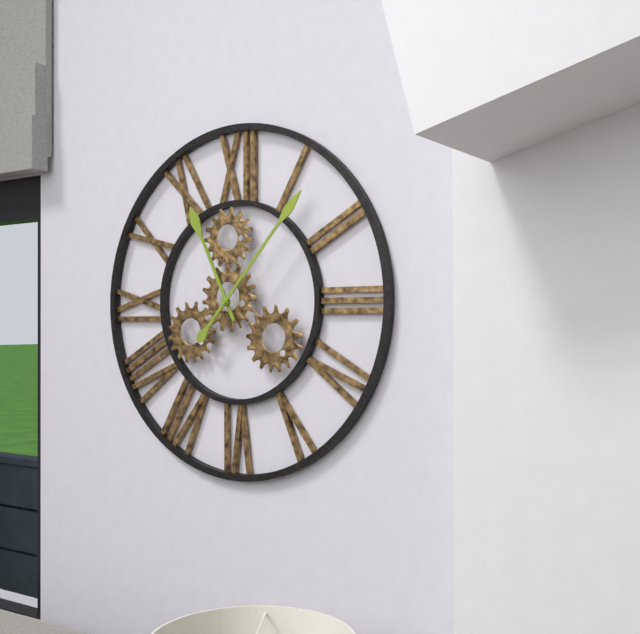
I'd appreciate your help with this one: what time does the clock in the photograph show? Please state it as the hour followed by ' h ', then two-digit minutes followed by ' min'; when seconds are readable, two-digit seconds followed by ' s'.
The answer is 11 h 07 min
